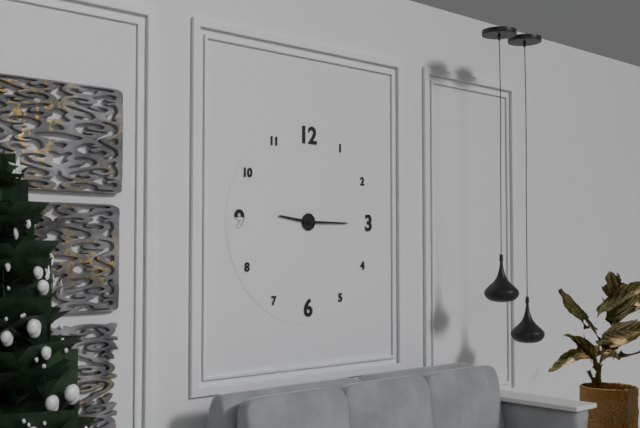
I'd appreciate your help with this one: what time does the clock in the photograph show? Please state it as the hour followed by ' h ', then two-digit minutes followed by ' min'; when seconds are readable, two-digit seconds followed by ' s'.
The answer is 9 h 15 min
